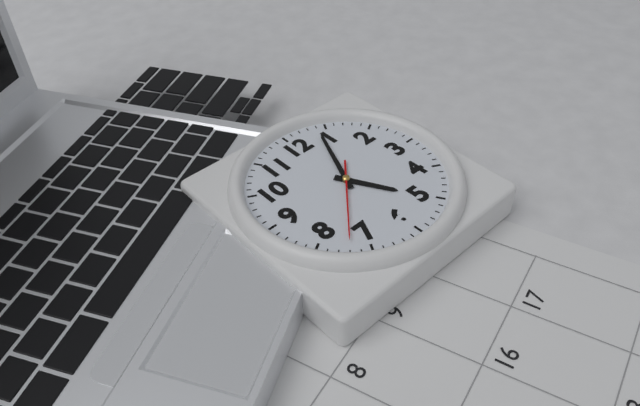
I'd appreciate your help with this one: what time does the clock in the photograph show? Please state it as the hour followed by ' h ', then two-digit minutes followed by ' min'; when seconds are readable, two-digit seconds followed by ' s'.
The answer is 5 h 04 min
